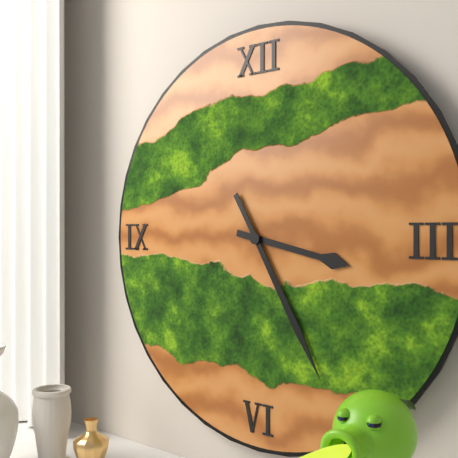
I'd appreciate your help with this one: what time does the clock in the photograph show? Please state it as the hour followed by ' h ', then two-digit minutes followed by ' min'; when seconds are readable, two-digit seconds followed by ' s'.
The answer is 3 h 25 min
